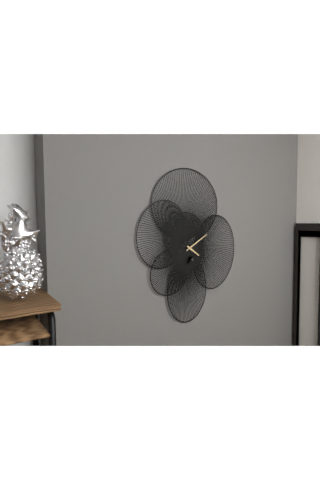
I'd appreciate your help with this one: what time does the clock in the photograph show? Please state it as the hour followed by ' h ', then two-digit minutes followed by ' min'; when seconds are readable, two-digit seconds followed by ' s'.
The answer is 4 h 10 min
